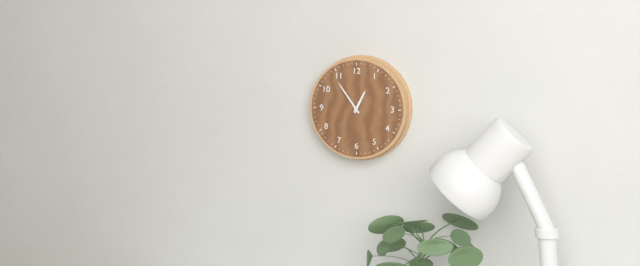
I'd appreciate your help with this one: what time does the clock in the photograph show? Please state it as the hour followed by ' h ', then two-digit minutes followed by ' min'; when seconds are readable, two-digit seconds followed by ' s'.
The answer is 12 h 54 min
